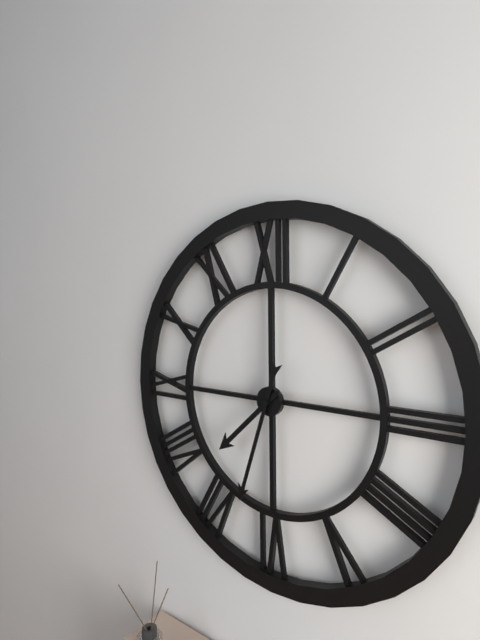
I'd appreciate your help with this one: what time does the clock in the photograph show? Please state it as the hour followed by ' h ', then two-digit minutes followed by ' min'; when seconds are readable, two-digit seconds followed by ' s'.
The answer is 7 h 33 min
